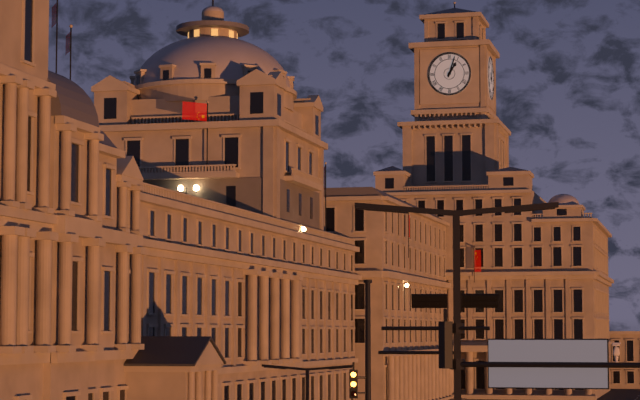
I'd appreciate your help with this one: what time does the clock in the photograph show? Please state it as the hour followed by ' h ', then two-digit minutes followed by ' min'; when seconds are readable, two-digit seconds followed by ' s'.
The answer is 1 h 03 min
